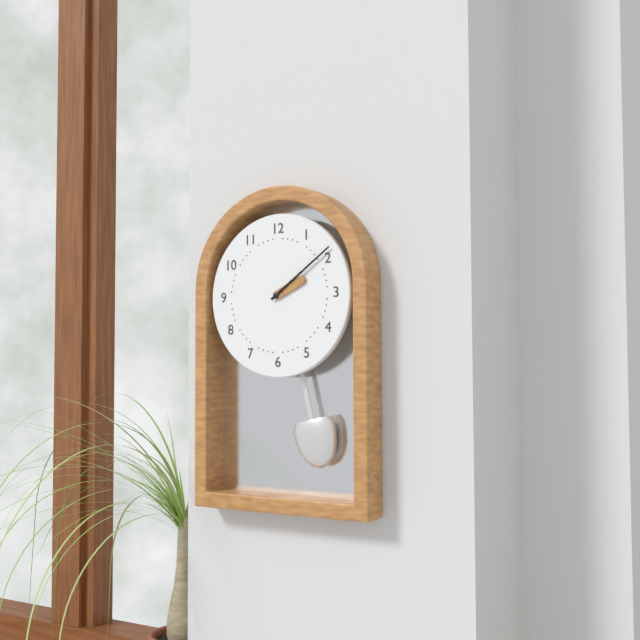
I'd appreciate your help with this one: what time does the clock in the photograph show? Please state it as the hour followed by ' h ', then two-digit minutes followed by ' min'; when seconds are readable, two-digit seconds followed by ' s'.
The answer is 2 h 09 min
